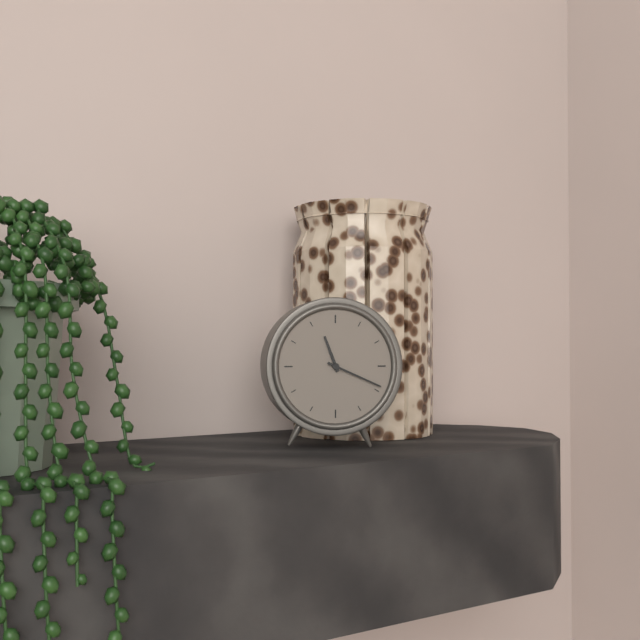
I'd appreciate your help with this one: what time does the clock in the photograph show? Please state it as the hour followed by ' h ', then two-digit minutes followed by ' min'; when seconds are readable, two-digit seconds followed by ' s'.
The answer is 11 h 19 min
